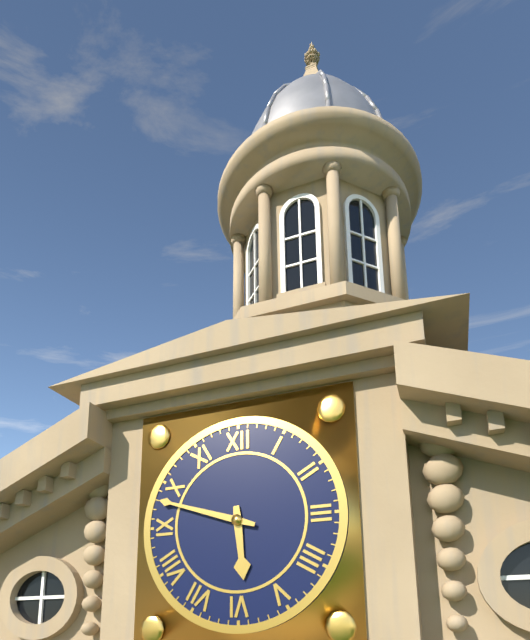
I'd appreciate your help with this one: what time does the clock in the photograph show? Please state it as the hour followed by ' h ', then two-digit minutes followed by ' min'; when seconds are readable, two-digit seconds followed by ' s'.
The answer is 5 h 48 min
